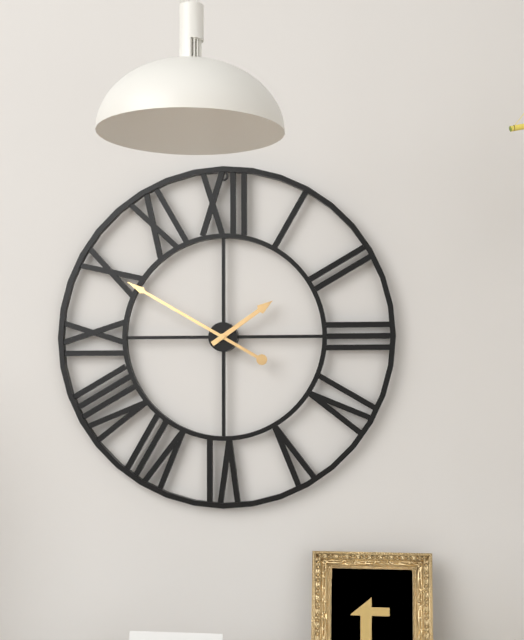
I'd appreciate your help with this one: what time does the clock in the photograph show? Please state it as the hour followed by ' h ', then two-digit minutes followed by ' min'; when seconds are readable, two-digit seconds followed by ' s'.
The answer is 1 h 50 min
